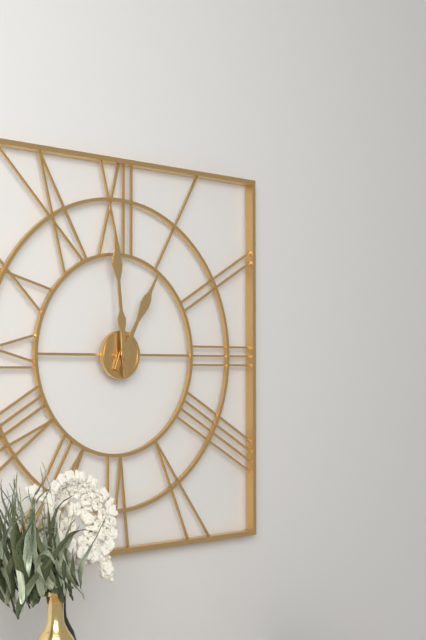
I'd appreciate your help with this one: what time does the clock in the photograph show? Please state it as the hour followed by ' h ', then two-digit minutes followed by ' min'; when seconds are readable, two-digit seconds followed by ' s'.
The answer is 12 h 59 min
